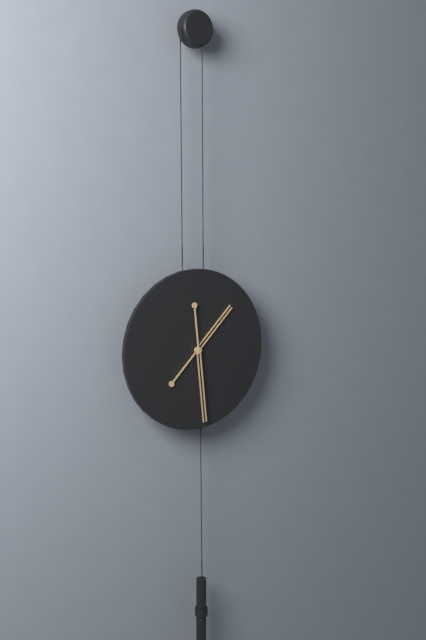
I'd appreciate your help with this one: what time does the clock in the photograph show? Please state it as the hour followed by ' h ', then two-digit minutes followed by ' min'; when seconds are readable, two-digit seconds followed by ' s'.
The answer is 1 h 29 min
